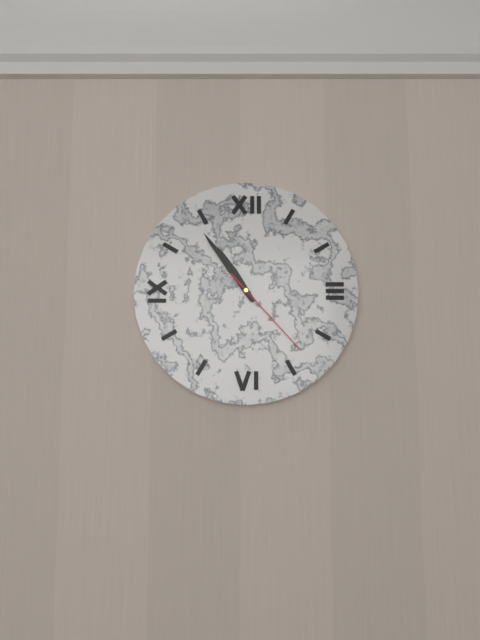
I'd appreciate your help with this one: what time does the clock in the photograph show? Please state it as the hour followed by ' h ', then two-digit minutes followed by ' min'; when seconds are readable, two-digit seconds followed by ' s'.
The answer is 10 h 54 min 23 s
